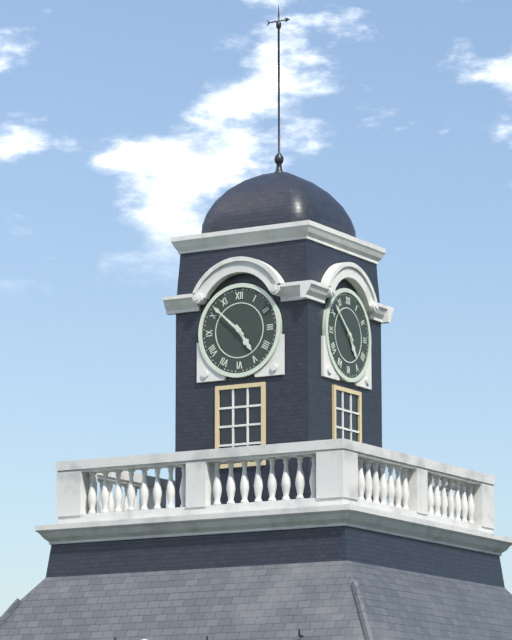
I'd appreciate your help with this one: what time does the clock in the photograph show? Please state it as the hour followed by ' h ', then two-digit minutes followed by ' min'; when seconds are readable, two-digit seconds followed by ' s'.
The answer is 4 h 52 min
